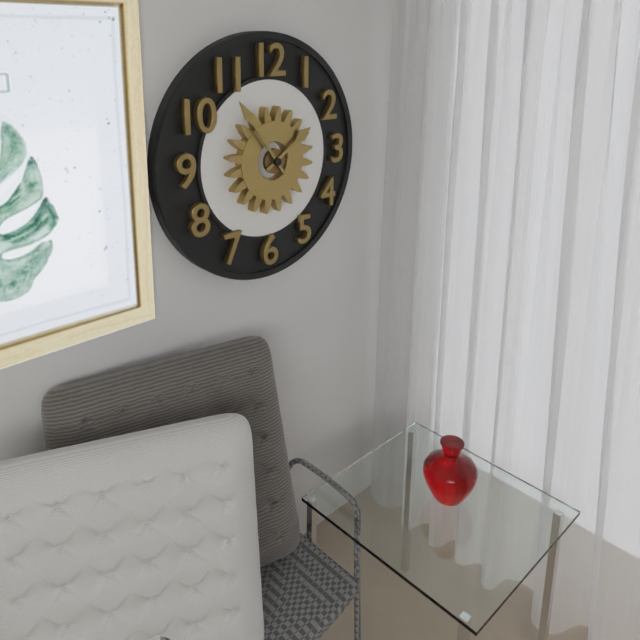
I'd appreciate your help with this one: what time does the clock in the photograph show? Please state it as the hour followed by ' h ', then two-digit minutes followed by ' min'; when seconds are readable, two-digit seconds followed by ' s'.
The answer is 1 h 54 min
